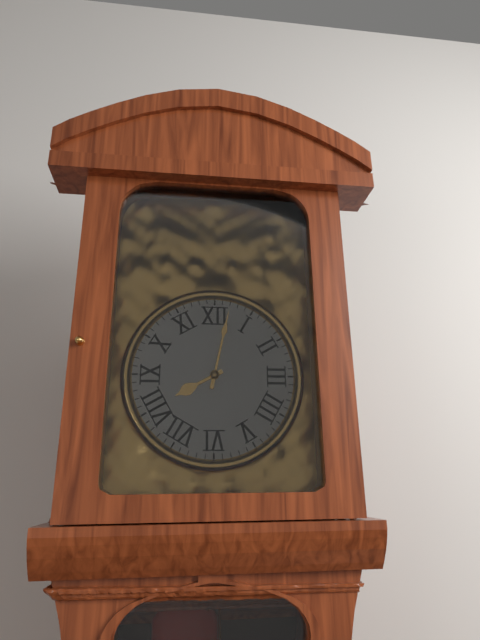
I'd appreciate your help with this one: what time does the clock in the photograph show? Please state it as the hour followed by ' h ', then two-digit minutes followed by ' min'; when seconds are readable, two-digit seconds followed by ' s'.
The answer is 8 h 02 min
